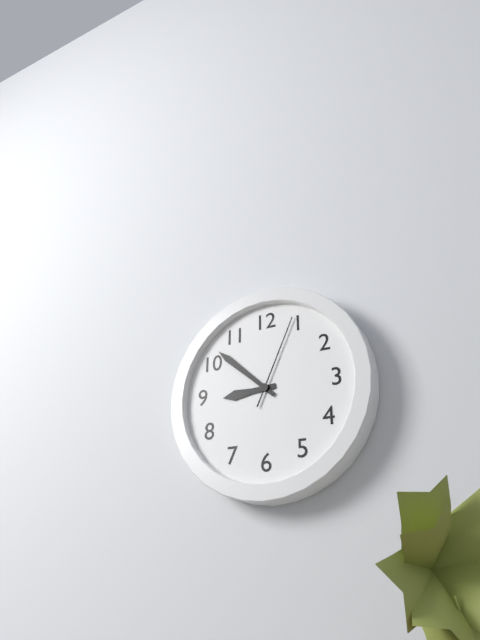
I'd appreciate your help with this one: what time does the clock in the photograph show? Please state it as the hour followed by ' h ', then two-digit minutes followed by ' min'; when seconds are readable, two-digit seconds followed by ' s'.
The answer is 8 h 52 min 04 s
